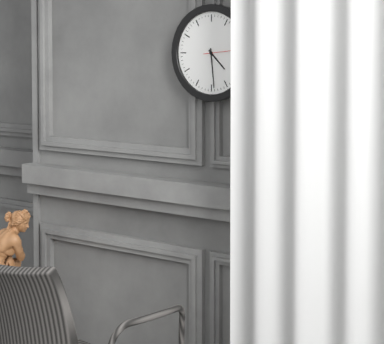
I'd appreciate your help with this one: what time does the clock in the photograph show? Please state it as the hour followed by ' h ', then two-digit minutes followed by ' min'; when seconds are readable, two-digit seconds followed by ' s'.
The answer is 4 h 29 min
